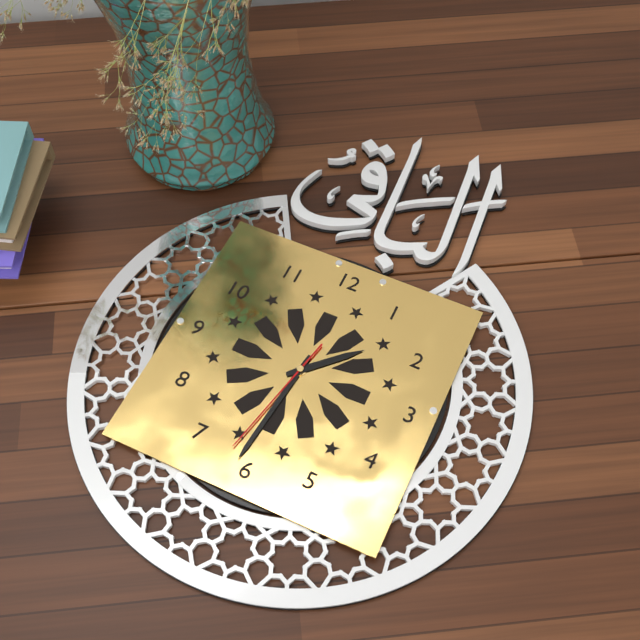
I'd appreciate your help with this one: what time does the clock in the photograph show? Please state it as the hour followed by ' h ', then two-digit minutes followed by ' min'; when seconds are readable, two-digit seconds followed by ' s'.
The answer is 1 h 31 min 32 s
